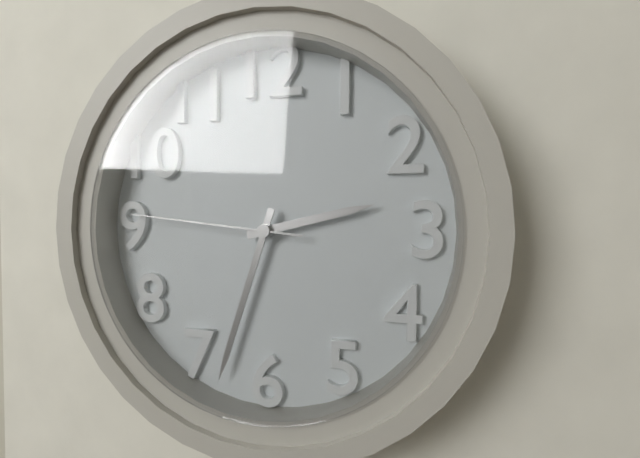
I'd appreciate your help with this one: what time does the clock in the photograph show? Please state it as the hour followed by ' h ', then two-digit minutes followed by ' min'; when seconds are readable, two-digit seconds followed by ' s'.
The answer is 2 h 33 min 46 s
